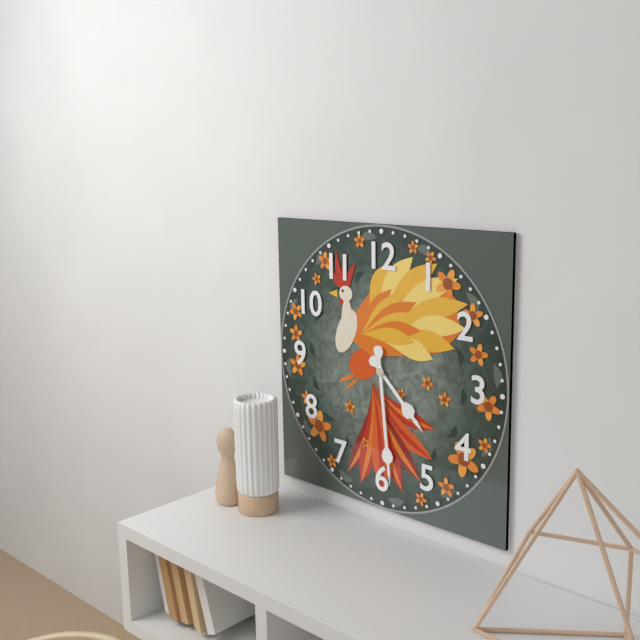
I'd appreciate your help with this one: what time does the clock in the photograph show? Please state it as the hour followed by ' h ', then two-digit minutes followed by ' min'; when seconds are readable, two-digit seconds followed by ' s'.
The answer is 4 h 29 min
